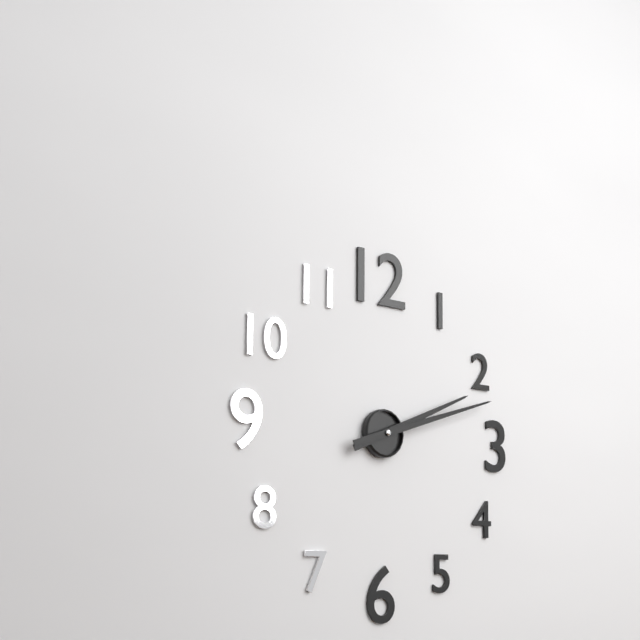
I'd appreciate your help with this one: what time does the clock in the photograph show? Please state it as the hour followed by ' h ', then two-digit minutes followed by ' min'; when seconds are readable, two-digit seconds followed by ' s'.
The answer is 2 h 12 min
